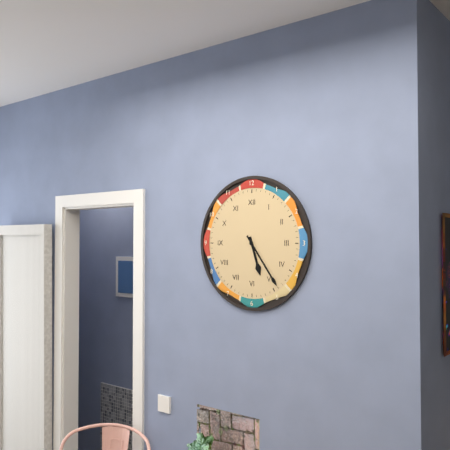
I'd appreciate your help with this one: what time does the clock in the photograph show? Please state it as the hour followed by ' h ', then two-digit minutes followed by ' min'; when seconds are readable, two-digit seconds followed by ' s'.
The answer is 5 h 24 min
